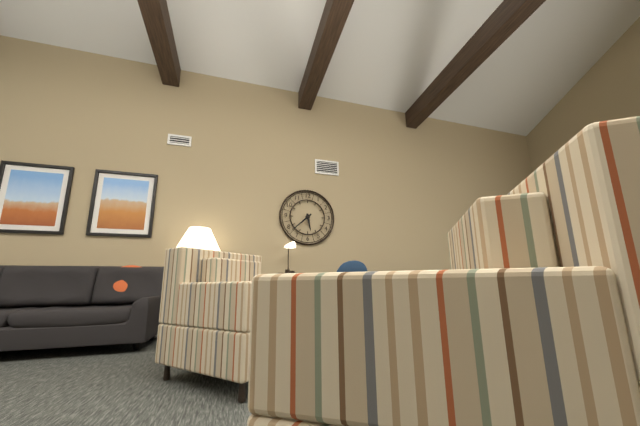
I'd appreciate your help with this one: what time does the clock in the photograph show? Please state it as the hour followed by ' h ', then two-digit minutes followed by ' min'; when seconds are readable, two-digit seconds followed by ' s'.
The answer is 5 h 38 min
